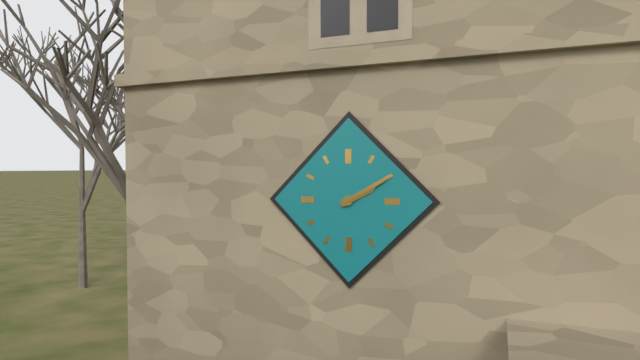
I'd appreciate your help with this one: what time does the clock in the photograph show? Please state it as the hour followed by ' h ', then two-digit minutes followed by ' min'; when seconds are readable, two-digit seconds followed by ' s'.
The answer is 2 h 10 min
